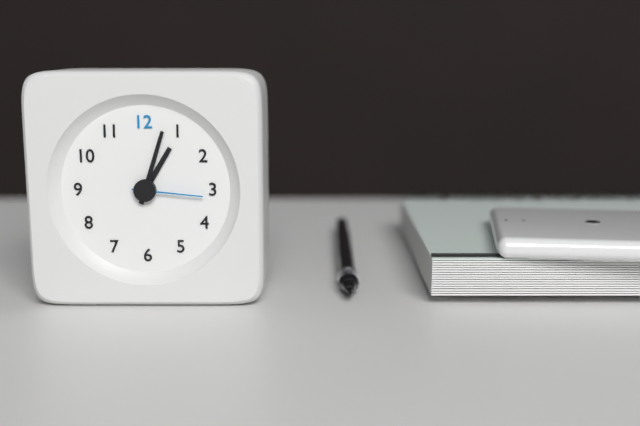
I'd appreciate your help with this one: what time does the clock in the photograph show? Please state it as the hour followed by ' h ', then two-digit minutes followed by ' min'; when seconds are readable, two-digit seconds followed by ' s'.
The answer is 1 h 03 min 16 s
